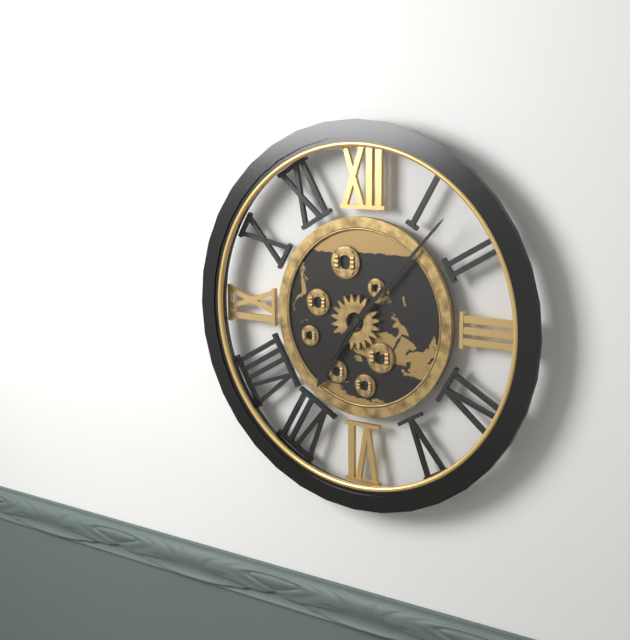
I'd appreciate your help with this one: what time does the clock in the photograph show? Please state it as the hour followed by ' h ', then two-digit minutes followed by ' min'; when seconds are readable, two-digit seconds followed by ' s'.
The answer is 7 h 07 min
